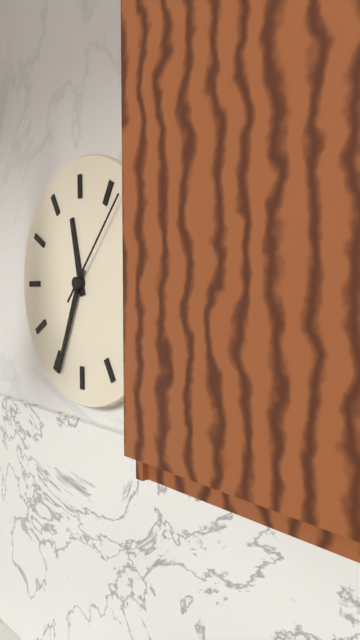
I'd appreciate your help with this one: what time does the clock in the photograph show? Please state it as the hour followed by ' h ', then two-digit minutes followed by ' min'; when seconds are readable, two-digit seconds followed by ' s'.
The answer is 11 h 34 min 07 s
